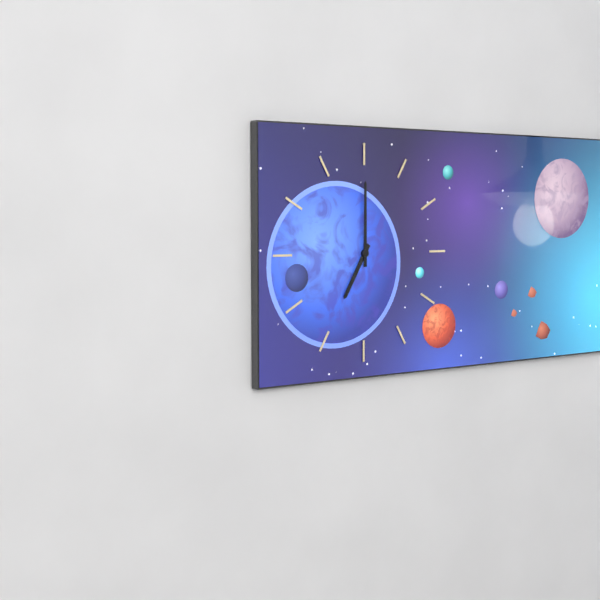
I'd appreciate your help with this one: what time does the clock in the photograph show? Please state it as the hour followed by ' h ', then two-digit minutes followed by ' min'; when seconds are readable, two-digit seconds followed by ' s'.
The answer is 7 h 00 min
